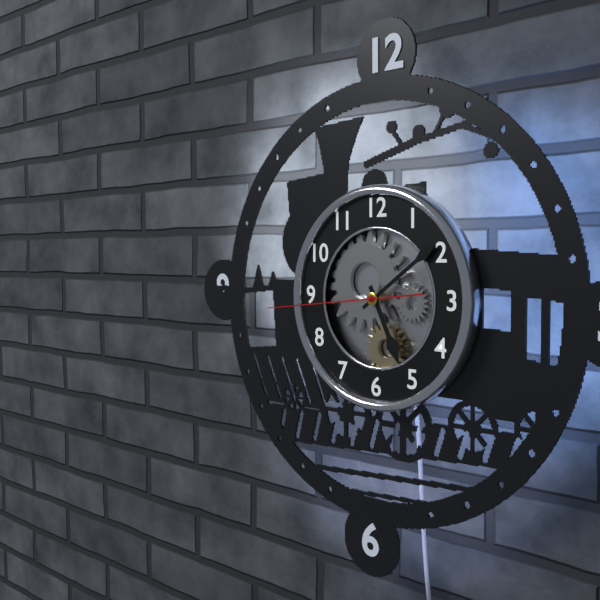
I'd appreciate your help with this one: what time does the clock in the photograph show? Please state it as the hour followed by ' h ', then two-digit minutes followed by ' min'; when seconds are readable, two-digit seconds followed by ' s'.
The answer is 5 h 09 min 44 s
